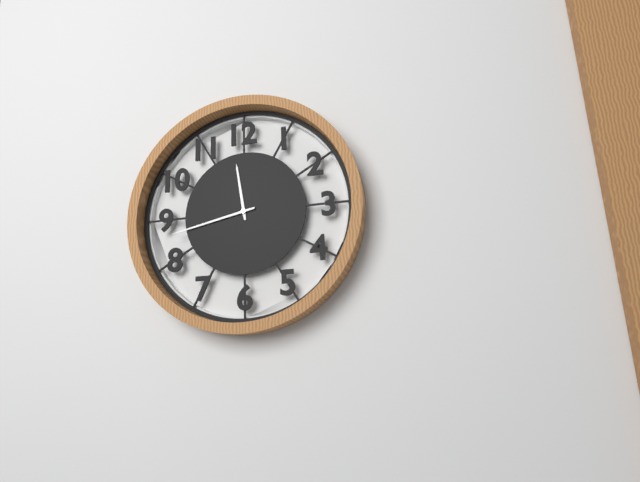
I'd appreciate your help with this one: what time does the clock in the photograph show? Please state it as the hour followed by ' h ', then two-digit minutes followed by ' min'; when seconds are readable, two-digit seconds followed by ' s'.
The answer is 11 h 43 min
